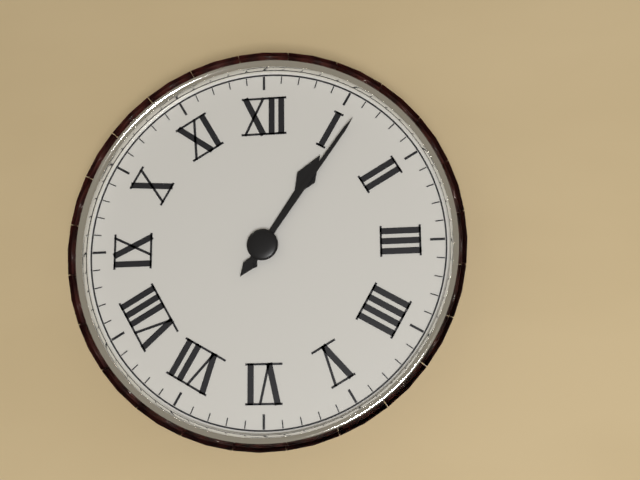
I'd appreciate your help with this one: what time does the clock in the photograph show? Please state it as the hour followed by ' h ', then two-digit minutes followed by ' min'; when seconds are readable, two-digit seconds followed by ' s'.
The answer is 1 h 06 min
